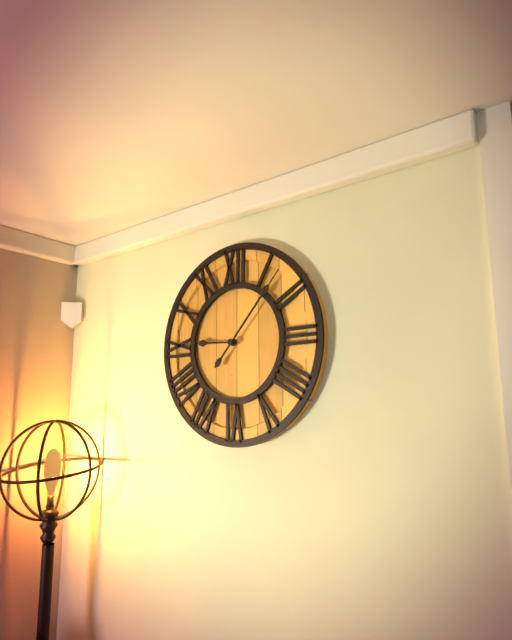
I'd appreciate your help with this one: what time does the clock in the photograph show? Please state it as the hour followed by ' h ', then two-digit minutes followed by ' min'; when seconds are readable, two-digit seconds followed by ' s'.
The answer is 9 h 07 min
